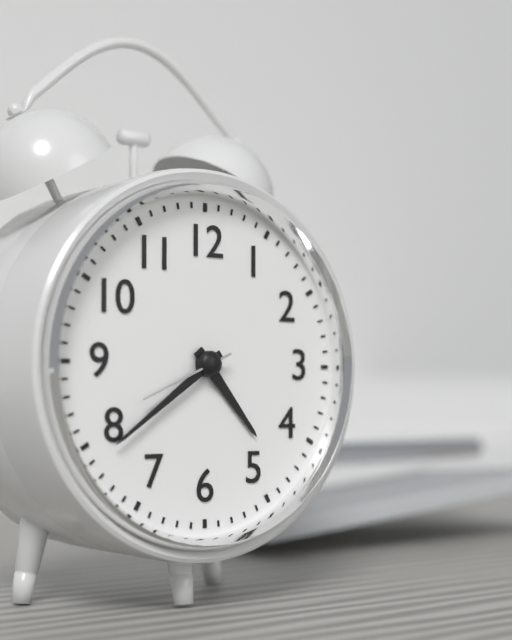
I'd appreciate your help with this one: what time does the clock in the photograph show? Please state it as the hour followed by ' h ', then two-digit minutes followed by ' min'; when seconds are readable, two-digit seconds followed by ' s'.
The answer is 4 h 39 min 41 s
